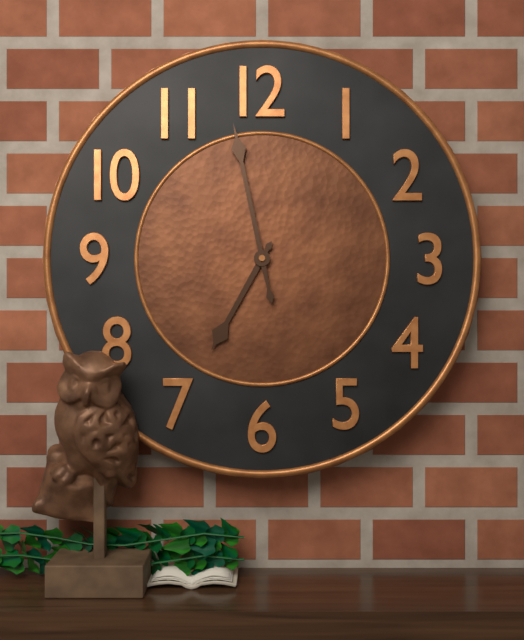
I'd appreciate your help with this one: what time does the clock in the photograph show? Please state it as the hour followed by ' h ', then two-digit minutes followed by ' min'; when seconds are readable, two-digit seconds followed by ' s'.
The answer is 6 h 58 min
